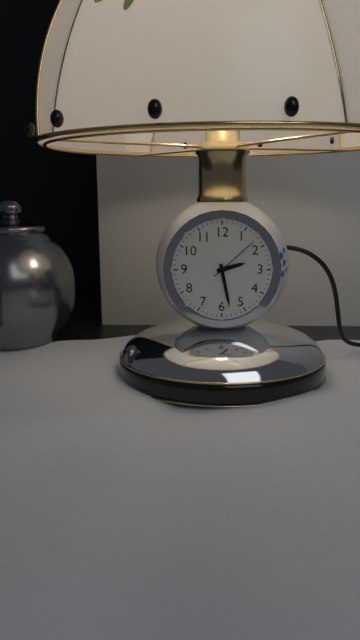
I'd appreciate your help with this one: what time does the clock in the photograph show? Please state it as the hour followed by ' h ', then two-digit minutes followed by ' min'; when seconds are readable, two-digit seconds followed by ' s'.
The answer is 2 h 28 min 08 s
